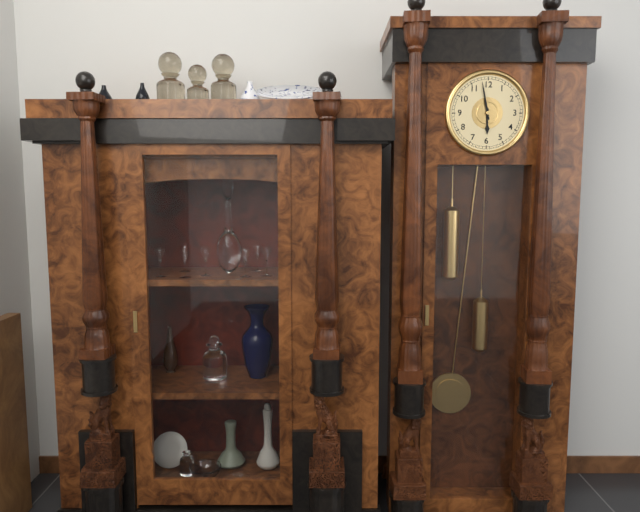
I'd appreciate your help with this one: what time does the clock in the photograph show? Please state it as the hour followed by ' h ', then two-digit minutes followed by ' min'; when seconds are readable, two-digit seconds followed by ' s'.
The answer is 5 h 58 min
